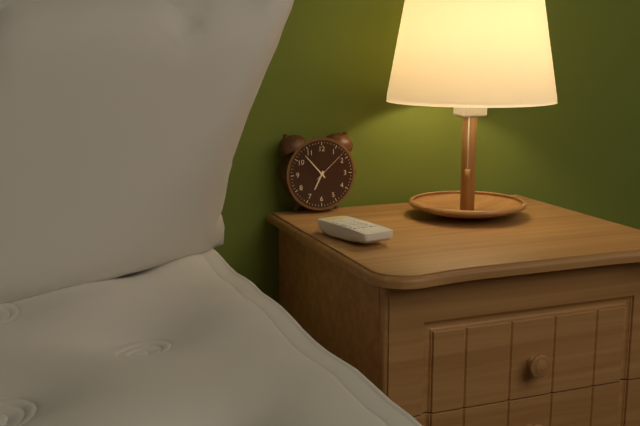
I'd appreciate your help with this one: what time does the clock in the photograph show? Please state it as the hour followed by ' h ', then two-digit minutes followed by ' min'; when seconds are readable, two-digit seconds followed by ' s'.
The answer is 6 h 53 min
